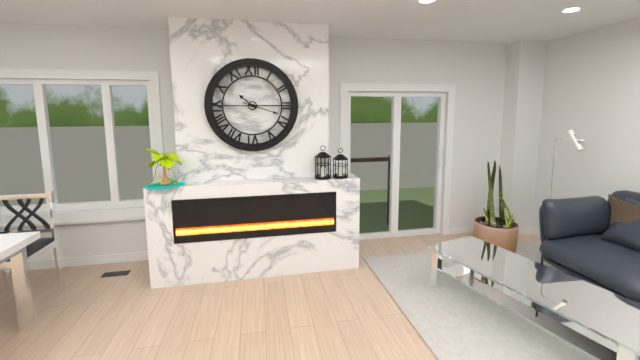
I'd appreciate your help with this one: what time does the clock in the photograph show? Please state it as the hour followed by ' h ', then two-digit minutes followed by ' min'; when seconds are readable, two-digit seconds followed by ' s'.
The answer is 10 h 18 min
